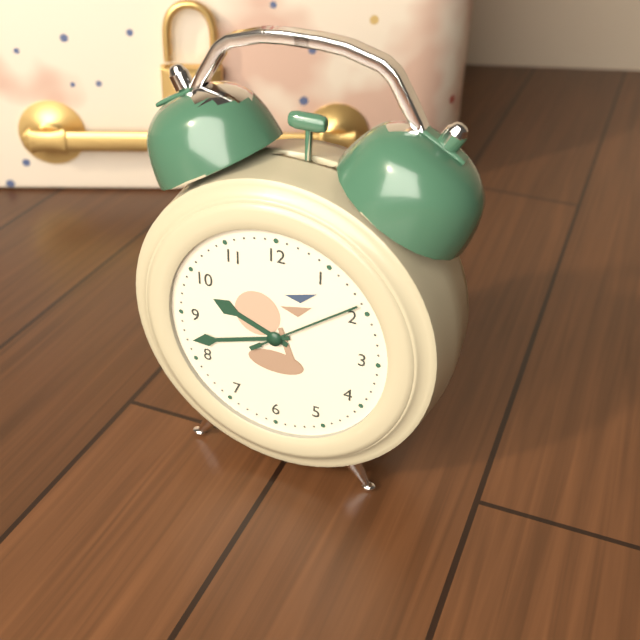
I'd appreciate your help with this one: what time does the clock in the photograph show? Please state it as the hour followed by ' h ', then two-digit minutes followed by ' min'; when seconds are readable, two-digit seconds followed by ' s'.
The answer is 9 h 42 min 09 s
